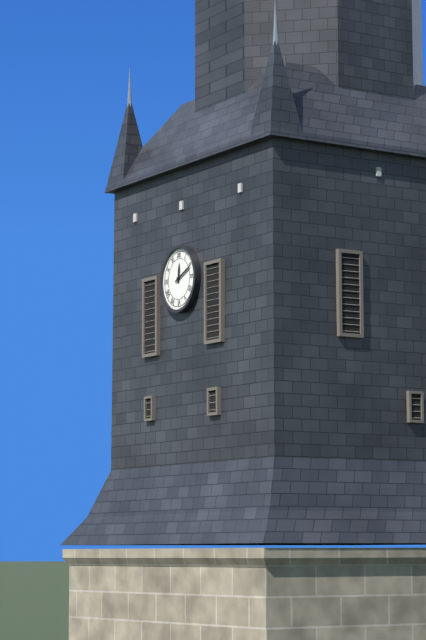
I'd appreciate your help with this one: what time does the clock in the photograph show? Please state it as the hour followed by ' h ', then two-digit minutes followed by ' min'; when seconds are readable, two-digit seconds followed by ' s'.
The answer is 12 h 11 min
